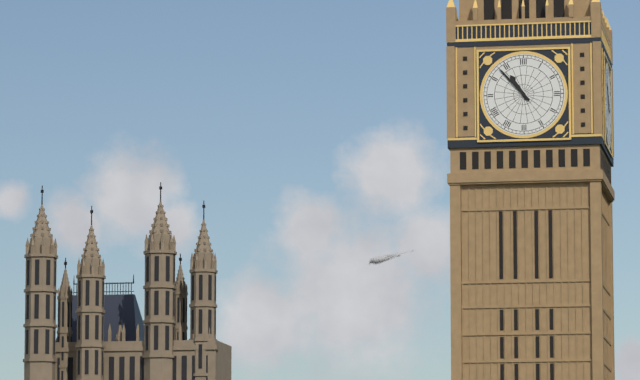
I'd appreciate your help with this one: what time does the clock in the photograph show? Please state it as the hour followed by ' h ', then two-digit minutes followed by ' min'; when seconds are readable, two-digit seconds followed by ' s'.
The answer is 10 h 53 min
